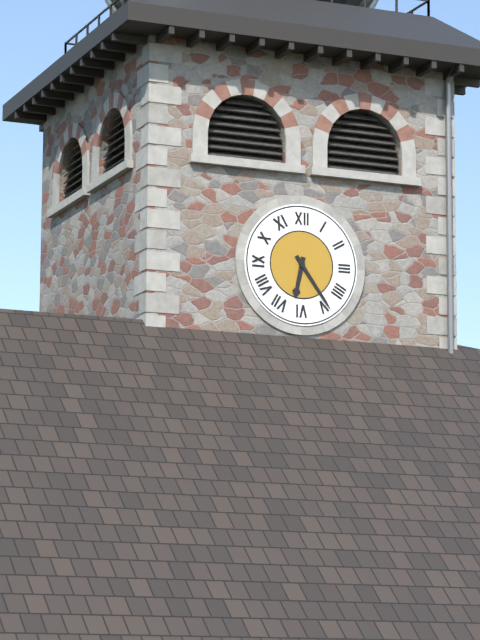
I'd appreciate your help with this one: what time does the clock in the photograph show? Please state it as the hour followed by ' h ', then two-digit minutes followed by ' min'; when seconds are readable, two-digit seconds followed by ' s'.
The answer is 6 h 24 min
